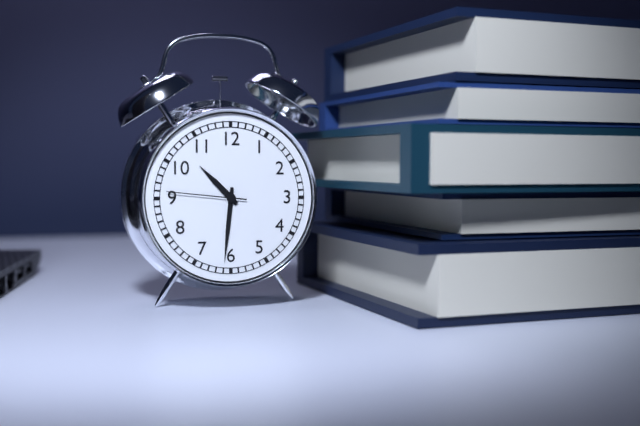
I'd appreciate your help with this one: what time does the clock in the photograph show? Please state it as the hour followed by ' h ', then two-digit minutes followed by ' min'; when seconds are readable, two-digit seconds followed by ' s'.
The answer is 10 h 31 min 46 s
